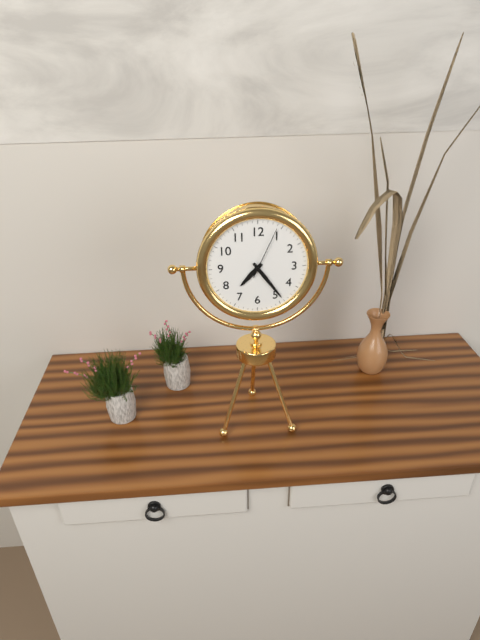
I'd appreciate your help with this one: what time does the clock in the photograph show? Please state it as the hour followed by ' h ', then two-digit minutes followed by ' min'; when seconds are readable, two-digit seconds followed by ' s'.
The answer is 7 h 24 min 04 s
